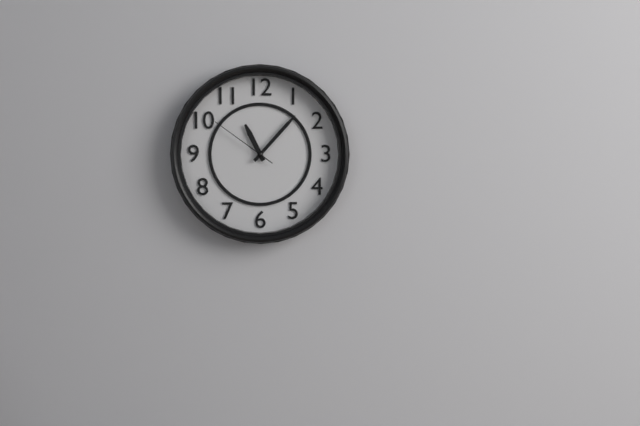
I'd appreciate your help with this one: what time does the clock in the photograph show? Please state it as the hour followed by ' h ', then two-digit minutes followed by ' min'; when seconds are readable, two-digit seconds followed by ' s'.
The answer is 11 h 07 min 51 s
